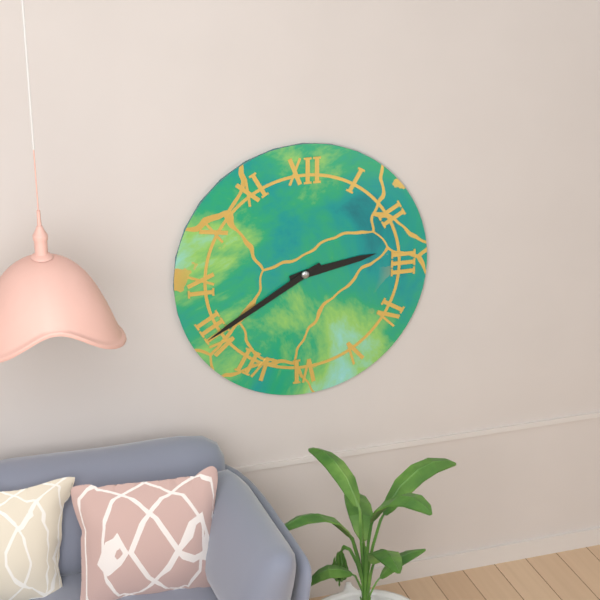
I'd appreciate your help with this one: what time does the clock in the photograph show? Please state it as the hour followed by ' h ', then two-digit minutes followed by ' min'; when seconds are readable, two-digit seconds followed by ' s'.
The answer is 2 h 40 min
